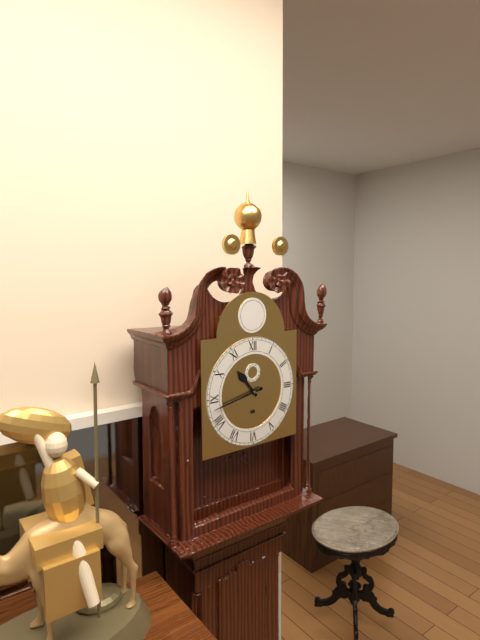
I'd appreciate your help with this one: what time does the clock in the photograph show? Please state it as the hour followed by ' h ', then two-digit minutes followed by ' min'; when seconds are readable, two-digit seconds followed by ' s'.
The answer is 10 h 43 min
